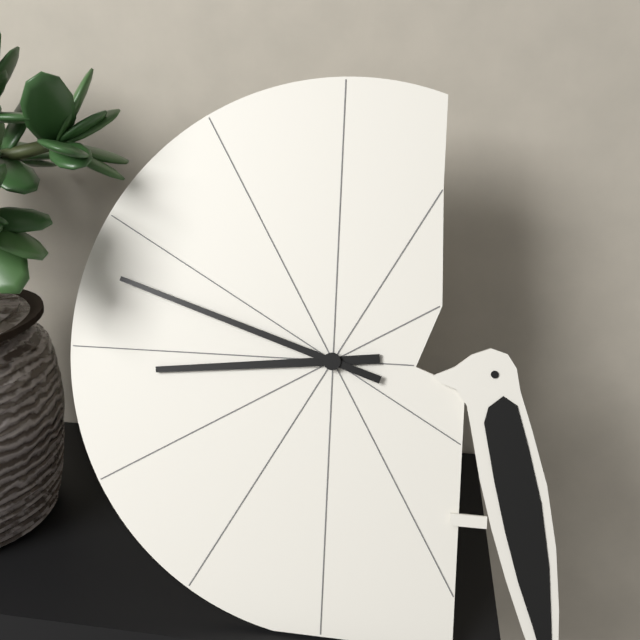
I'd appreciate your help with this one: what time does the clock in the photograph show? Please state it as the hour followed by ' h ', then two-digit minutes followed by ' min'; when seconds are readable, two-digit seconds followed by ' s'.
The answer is 8 h 48 min
